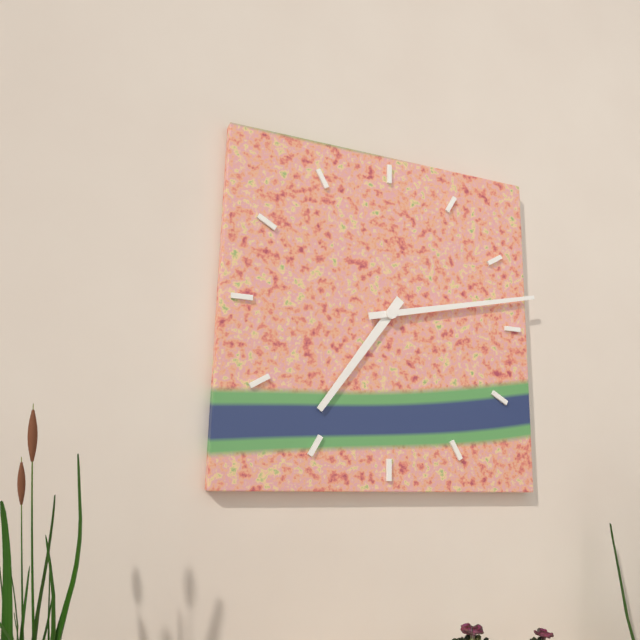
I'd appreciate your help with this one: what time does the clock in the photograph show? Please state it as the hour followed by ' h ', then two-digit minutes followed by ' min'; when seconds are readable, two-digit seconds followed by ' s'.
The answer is 7 h 13 min
